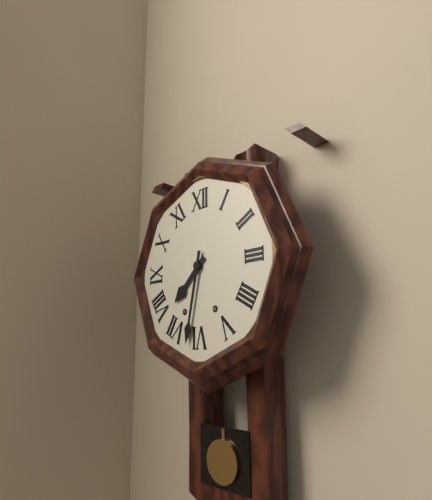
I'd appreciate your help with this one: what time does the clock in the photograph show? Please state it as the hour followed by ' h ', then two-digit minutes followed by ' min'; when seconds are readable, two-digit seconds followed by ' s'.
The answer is 7 h 32 min
